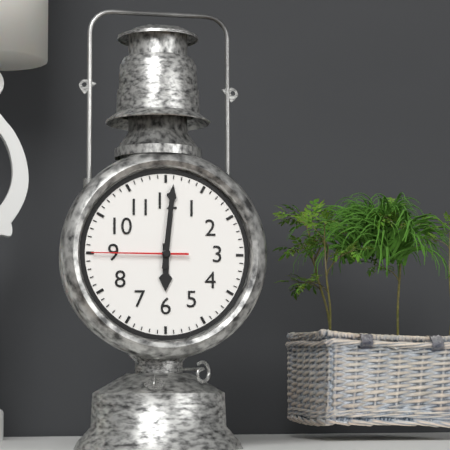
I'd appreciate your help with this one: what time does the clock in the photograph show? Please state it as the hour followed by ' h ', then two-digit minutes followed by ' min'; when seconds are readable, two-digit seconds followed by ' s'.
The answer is 6 h 01 min 45 s
